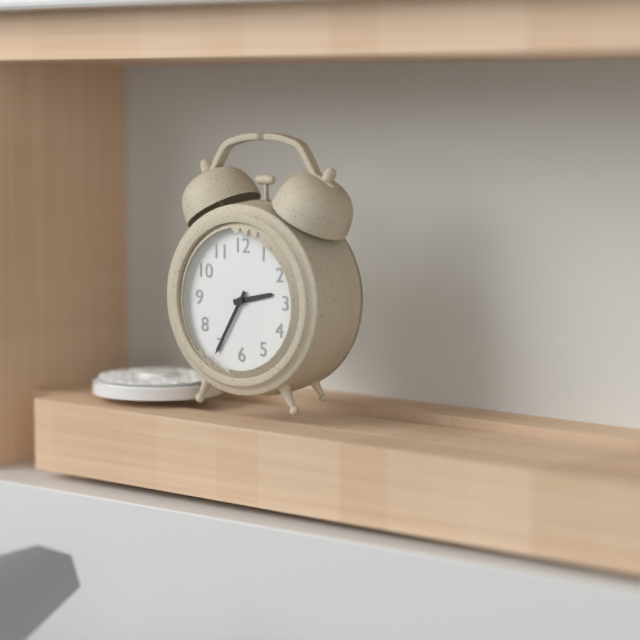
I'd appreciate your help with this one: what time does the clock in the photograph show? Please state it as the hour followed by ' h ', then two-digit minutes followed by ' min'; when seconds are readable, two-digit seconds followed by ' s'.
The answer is 2 h 35 min
